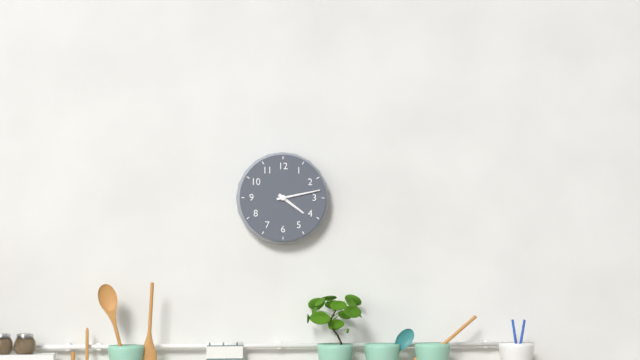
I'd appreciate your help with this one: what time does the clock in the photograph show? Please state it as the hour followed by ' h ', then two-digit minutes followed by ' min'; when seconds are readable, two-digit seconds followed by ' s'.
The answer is 4 h 13 min
